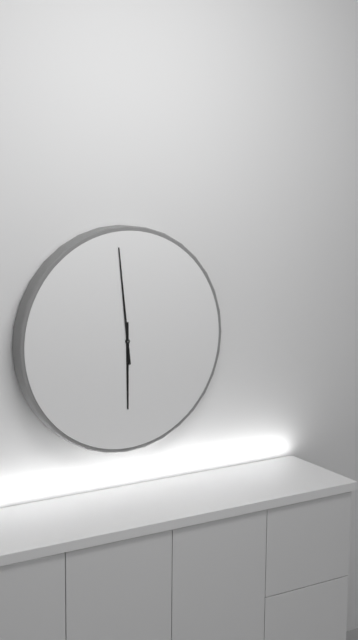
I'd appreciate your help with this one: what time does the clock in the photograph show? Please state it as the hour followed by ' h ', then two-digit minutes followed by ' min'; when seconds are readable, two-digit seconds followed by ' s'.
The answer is 5 h 59 min
